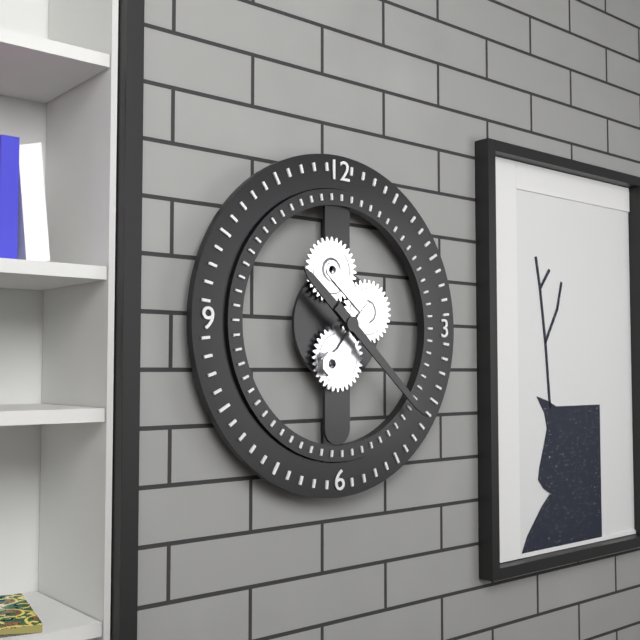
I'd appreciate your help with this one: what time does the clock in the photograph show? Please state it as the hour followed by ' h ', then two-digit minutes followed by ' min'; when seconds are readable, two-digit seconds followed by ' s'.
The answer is 10 h 22 min
